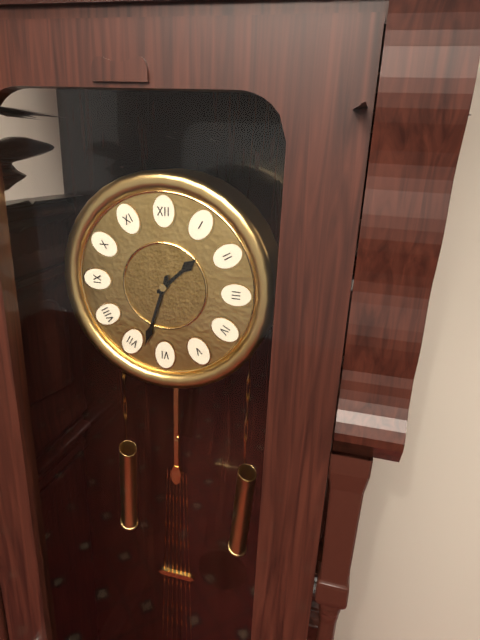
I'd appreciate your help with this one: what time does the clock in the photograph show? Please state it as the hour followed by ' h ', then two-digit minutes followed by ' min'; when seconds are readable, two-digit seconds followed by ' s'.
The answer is 1 h 33 min
